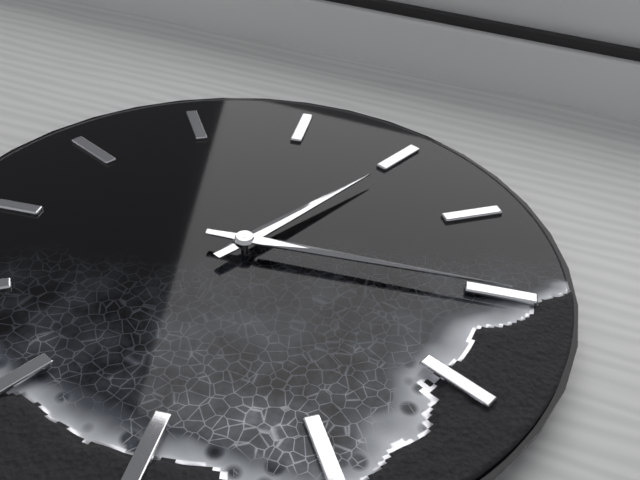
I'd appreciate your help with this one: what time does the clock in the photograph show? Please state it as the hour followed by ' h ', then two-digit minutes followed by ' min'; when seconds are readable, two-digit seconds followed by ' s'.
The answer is 11 h 05 min
